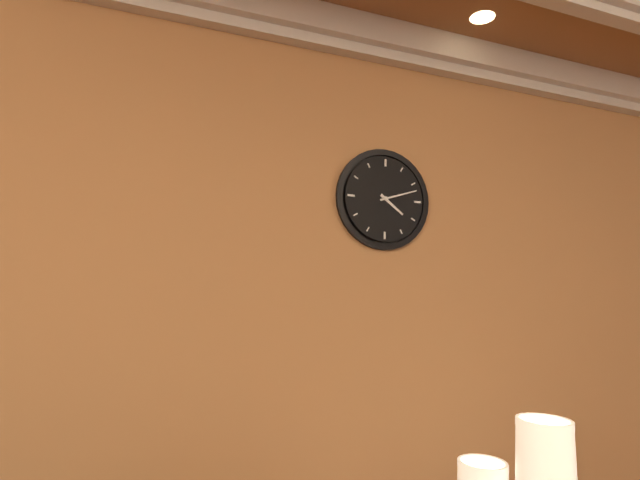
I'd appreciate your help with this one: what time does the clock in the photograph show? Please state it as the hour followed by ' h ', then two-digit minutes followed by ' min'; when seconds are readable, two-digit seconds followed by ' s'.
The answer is 4 h 12 min
